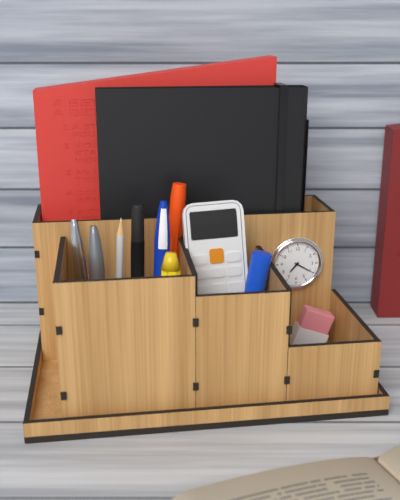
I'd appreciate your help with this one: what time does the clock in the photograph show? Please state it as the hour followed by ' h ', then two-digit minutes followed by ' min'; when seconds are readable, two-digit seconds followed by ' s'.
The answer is 7 h 20 min
